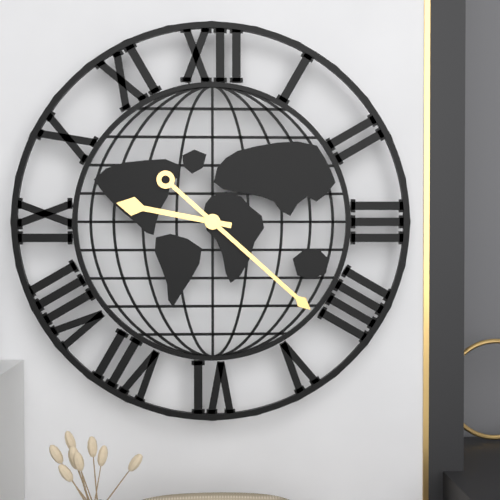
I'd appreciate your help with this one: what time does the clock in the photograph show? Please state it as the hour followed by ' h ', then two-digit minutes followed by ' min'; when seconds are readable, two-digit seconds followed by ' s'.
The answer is 9 h 22 min
